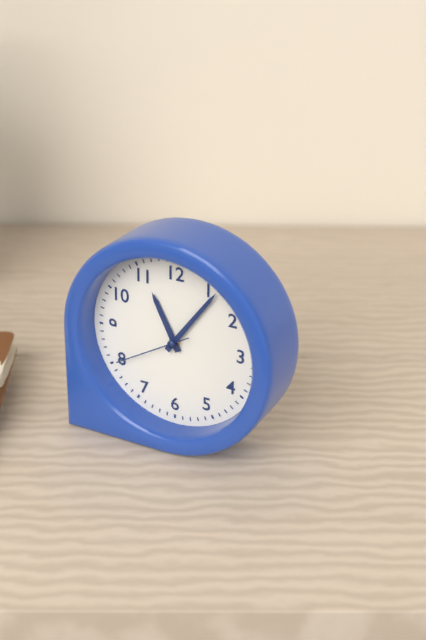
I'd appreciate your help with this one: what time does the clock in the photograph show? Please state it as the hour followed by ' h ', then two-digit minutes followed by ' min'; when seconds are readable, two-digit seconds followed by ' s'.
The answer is 11 h 06 min 40 s
